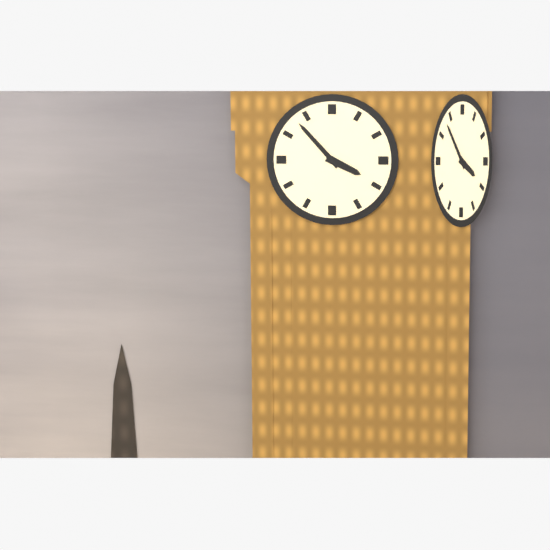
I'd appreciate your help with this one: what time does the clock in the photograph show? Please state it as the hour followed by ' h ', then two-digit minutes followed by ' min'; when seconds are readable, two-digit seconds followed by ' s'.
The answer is 3 h 53 min
